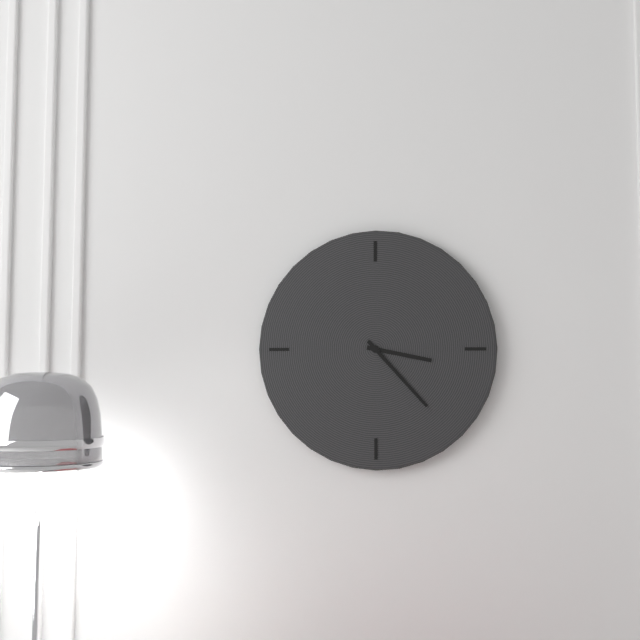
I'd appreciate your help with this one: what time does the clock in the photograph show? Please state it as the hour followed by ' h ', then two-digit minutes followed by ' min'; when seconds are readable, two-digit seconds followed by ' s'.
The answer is 3 h 23 min
